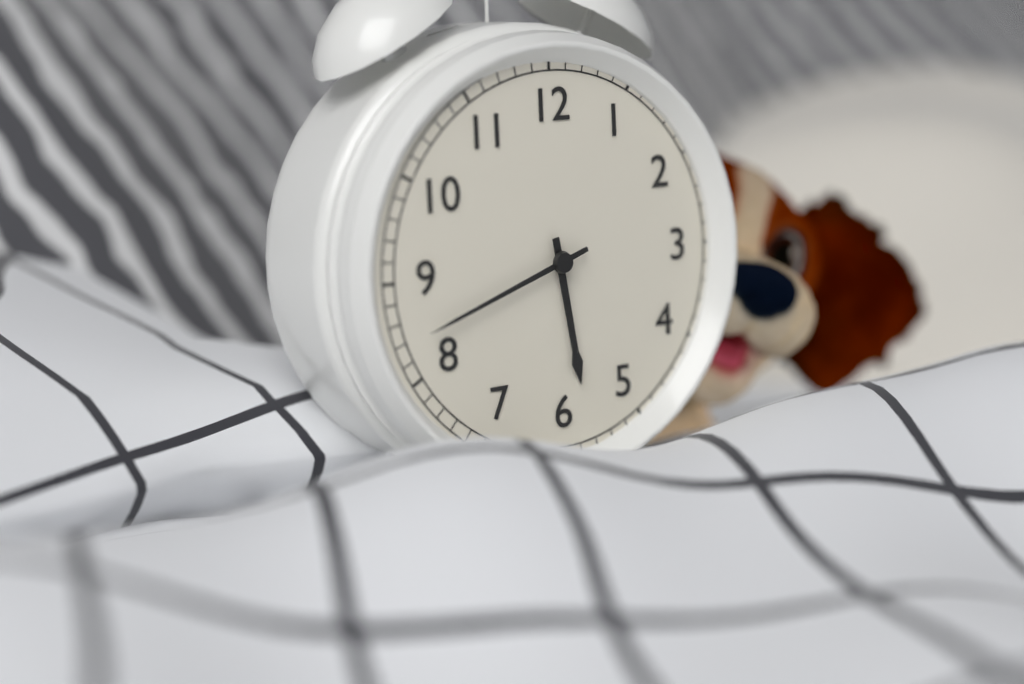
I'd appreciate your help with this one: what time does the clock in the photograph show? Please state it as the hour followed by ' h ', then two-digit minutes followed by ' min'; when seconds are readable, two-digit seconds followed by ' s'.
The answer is 5 h 42 min
